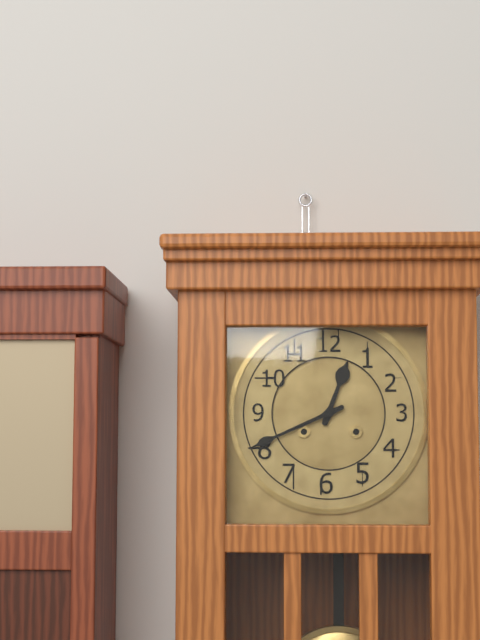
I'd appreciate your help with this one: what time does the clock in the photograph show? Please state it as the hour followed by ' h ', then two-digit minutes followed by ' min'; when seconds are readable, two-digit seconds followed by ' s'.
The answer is 12 h 41 min
